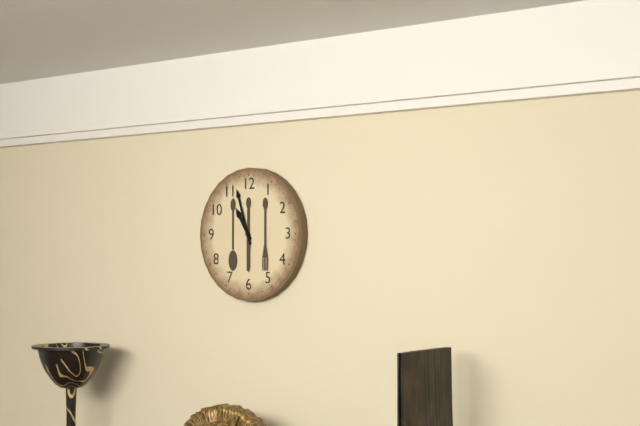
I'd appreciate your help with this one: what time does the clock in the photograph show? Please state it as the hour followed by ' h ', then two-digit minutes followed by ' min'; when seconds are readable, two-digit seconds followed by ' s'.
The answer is 10 h 57 min
